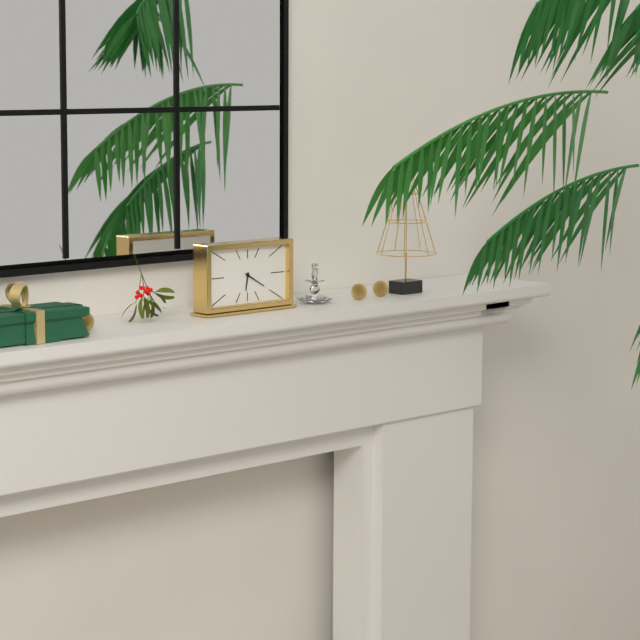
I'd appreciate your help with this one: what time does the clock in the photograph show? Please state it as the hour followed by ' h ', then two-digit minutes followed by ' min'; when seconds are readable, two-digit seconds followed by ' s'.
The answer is 6 h 20 min
